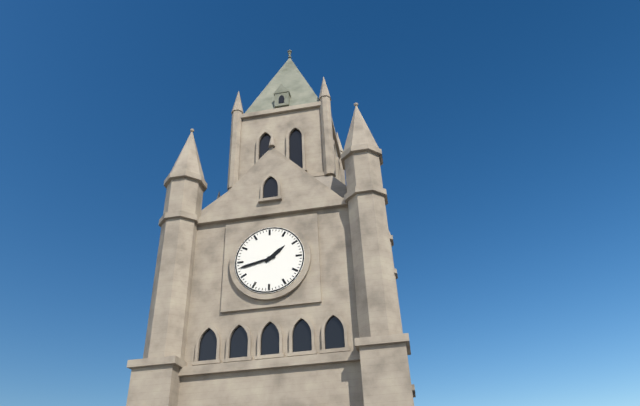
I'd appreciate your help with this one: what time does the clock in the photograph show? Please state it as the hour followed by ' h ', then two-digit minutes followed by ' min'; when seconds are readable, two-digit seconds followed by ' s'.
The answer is 1 h 43 min
